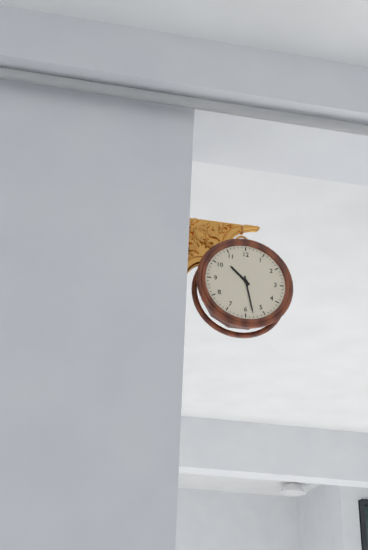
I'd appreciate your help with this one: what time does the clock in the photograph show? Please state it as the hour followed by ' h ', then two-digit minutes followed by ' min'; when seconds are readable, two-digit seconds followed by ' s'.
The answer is 10 h 28 min
